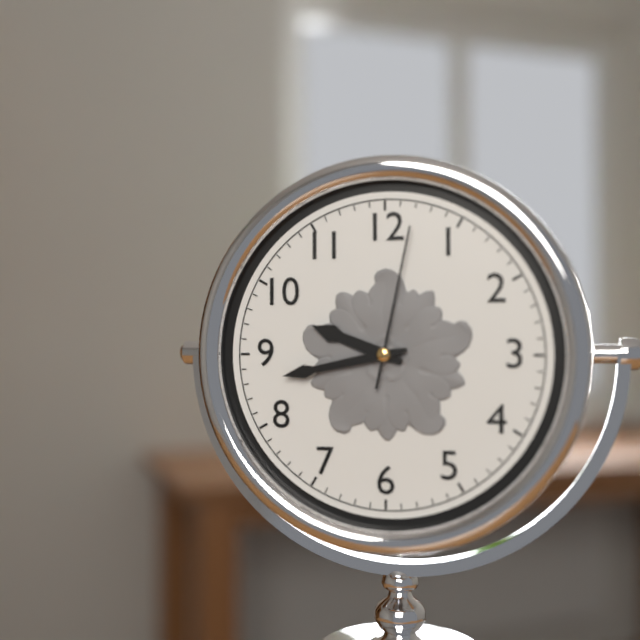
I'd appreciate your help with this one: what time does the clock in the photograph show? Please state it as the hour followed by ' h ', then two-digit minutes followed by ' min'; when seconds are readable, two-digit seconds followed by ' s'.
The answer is 9 h 43 min 02 s
